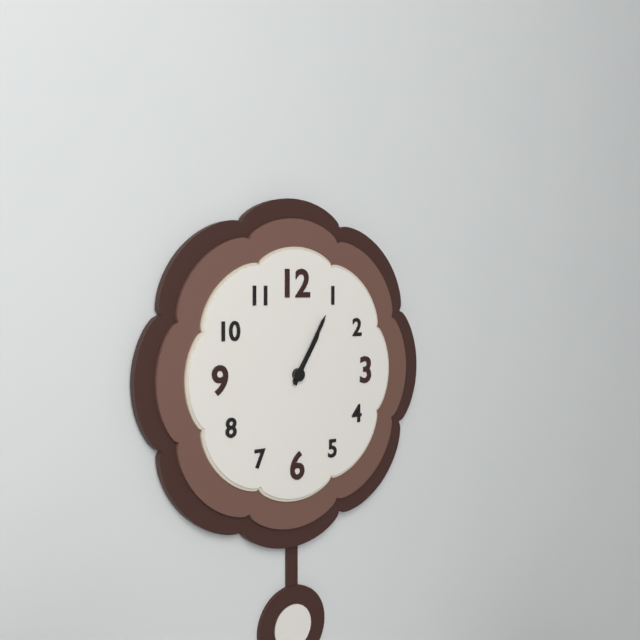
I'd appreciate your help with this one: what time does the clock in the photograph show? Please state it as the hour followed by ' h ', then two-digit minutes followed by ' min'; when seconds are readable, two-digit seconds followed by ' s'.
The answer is 1 h 05 min
